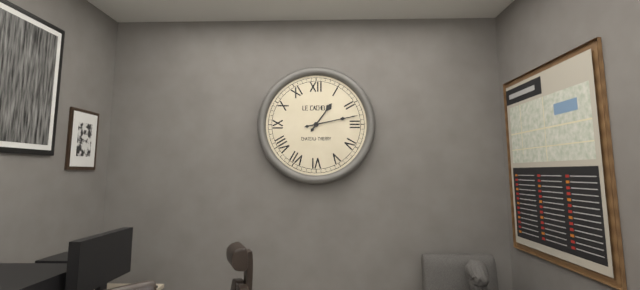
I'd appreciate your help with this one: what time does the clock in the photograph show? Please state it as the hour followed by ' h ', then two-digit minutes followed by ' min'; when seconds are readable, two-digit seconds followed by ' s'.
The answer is 1 h 13 min
